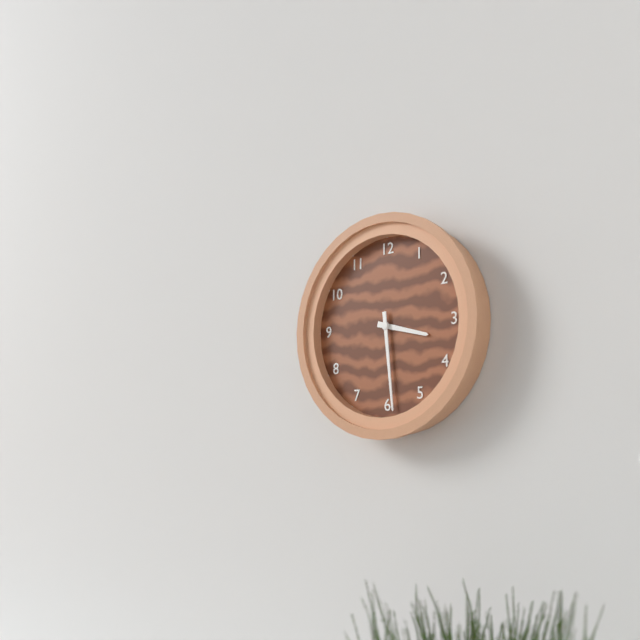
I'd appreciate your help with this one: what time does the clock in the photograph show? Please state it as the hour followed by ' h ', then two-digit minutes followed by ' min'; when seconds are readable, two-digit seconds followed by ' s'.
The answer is 3 h 29 min
